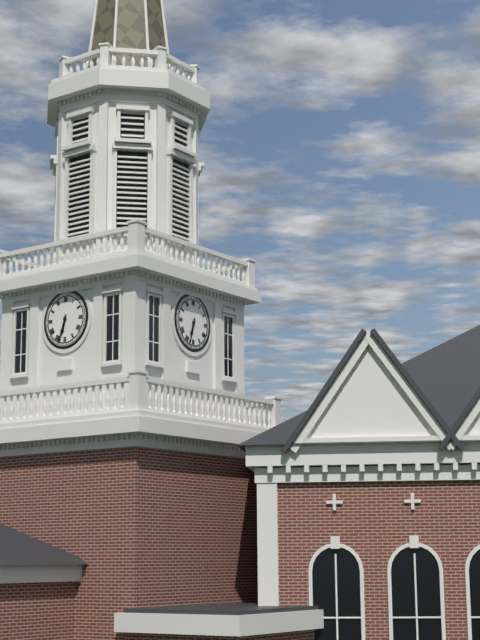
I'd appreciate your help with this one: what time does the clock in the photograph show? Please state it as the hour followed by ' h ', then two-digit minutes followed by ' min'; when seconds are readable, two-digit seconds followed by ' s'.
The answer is 6 h 33 min
